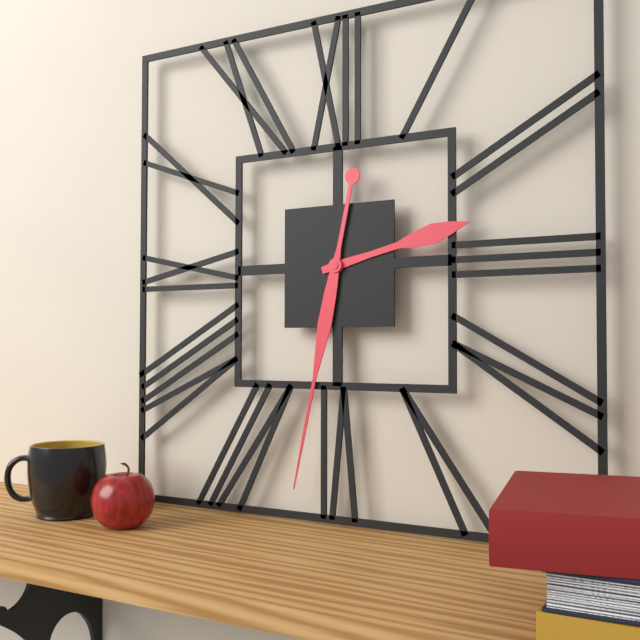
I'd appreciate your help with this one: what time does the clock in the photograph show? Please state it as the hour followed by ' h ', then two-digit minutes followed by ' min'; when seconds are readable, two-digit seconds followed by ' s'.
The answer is 2 h 32 min
